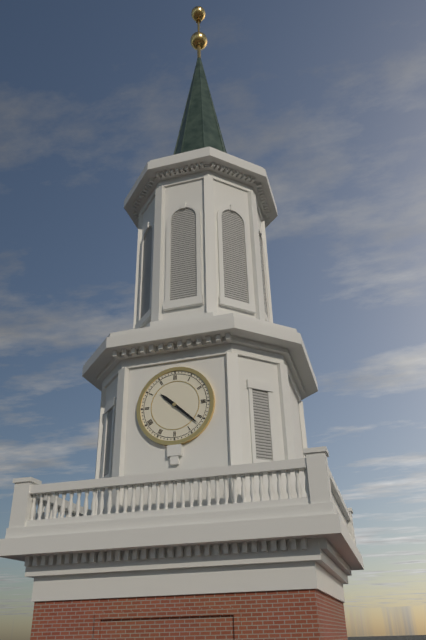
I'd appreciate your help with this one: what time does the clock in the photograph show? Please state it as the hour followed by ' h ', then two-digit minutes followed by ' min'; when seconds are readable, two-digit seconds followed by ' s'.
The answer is 10 h 22 min
